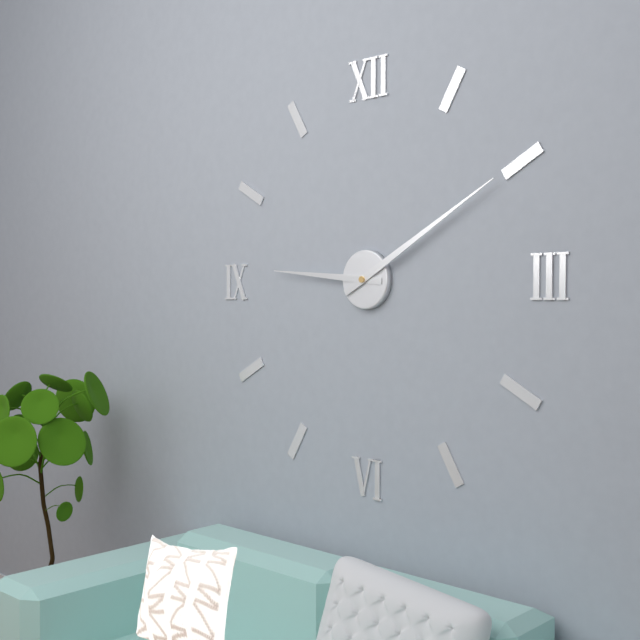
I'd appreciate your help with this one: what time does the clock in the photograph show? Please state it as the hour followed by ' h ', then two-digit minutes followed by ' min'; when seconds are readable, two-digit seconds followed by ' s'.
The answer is 9 h 10 min
